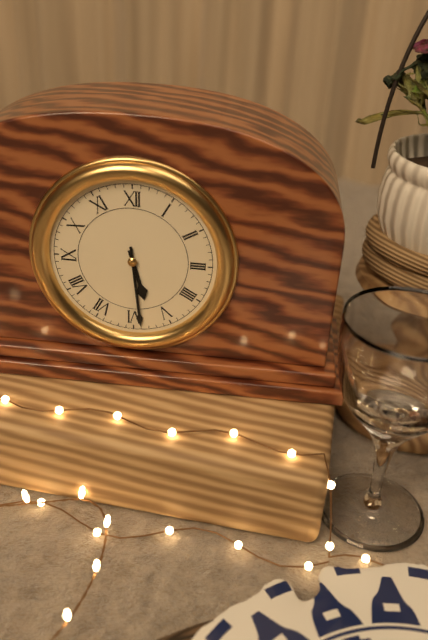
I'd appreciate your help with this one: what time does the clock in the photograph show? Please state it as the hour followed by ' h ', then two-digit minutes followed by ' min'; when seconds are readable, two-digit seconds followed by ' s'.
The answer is 5 h 29 min
